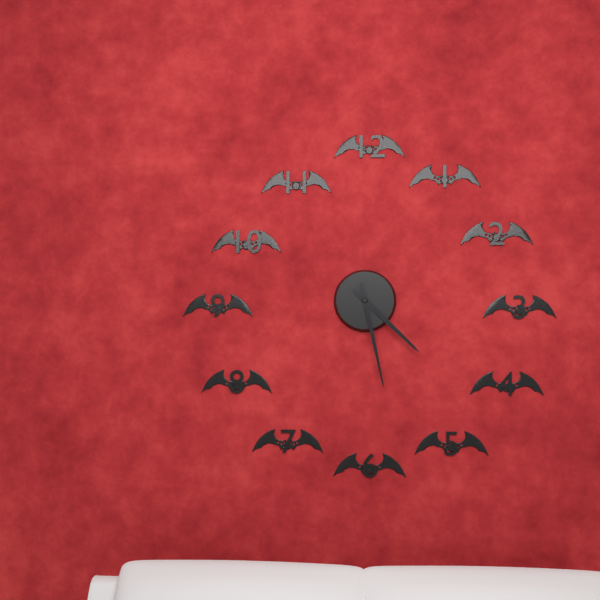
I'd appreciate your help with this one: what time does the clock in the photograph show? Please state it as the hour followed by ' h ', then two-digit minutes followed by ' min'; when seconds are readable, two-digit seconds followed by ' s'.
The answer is 4 h 28 min
